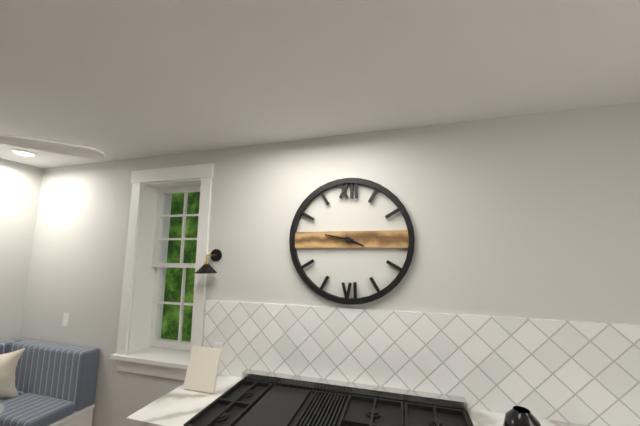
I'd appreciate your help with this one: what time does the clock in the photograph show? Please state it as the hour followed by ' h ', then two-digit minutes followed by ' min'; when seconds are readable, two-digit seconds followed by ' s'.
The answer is 3 h 47 min
